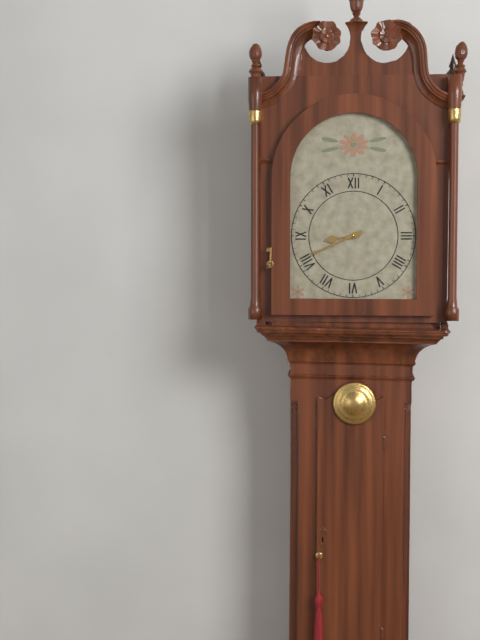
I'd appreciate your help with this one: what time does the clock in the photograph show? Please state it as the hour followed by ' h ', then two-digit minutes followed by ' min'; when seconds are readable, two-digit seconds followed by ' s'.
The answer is 8 h 41 min
